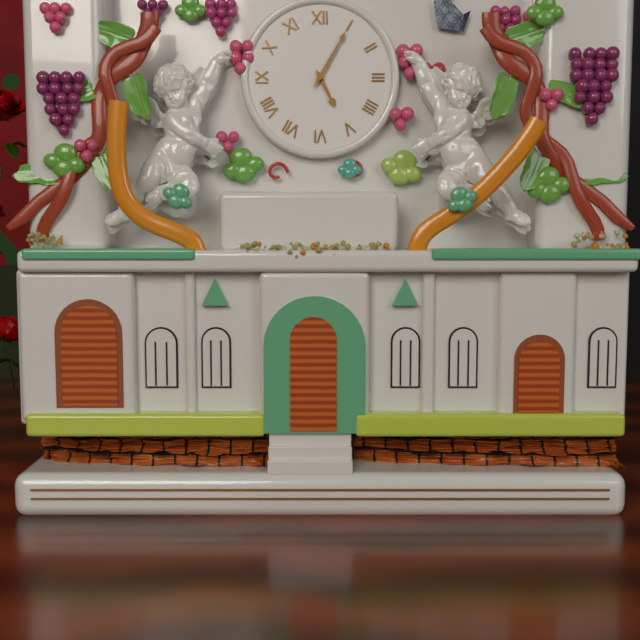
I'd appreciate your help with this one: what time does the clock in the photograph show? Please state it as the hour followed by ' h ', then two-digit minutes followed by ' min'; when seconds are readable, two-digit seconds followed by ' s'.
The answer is 5 h 05 min
